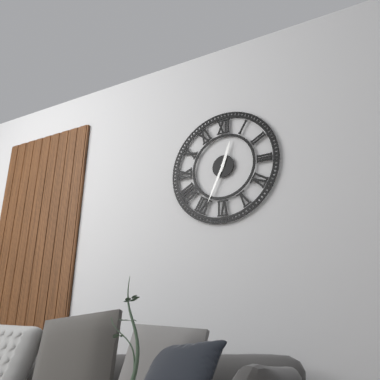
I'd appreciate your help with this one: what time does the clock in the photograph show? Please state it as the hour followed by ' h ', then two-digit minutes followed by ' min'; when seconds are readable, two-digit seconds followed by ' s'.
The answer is 12 h 34 min
